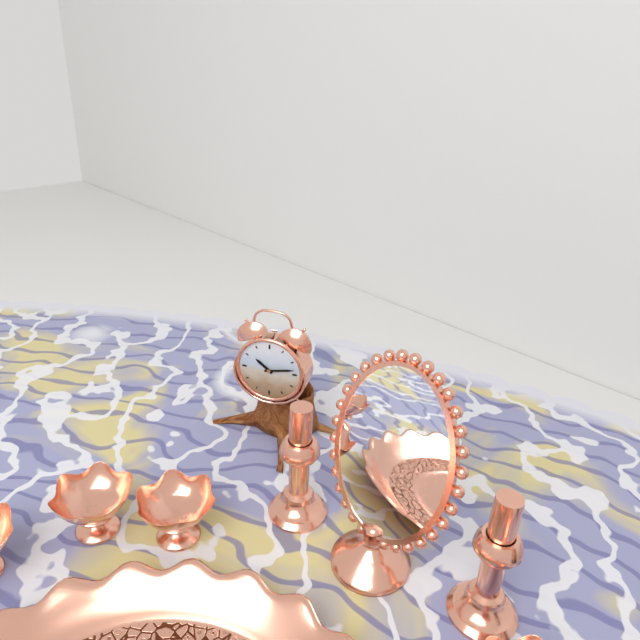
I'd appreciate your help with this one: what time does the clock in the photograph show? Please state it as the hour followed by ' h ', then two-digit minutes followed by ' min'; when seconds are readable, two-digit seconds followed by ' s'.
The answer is 10 h 13 min
